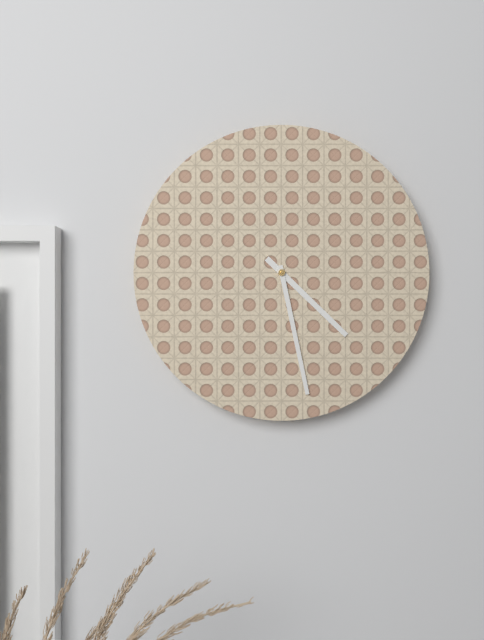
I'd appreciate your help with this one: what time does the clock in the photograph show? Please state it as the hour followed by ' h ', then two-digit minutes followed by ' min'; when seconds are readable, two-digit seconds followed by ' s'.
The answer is 4 h 28 min
